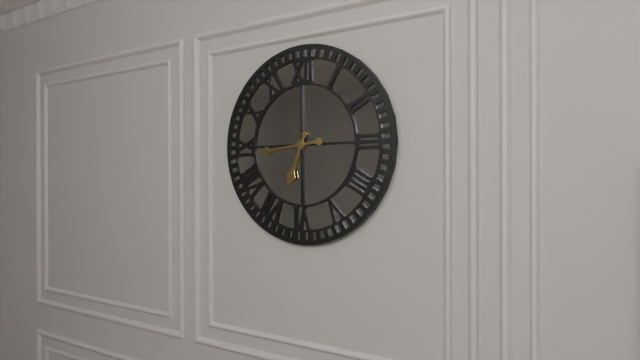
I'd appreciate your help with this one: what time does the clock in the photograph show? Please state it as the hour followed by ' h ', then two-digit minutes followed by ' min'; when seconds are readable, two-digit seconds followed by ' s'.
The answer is 6 h 44 min
